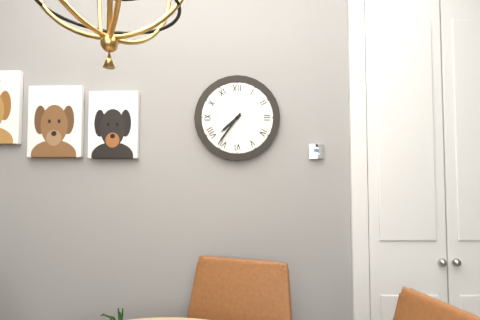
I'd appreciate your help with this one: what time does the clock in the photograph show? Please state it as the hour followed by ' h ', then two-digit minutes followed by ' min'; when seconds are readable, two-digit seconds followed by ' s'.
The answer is 7 h 36 min
